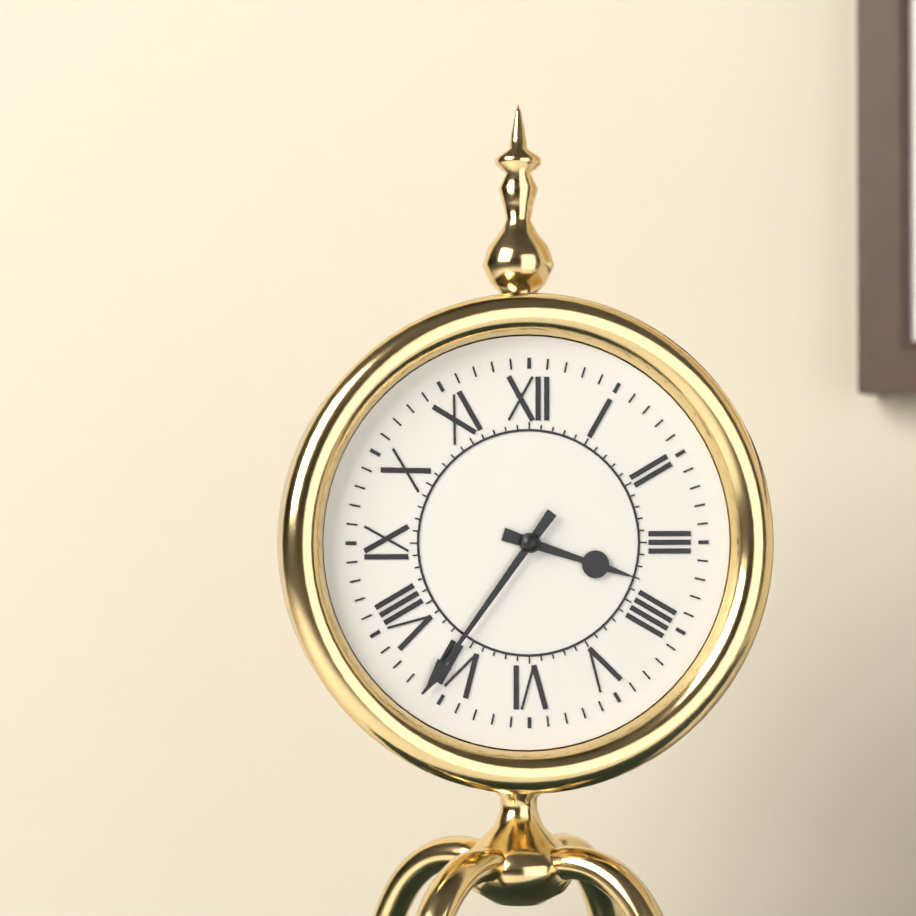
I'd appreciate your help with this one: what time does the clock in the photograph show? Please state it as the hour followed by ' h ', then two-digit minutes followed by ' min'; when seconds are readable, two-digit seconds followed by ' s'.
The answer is 3 h 36 min
